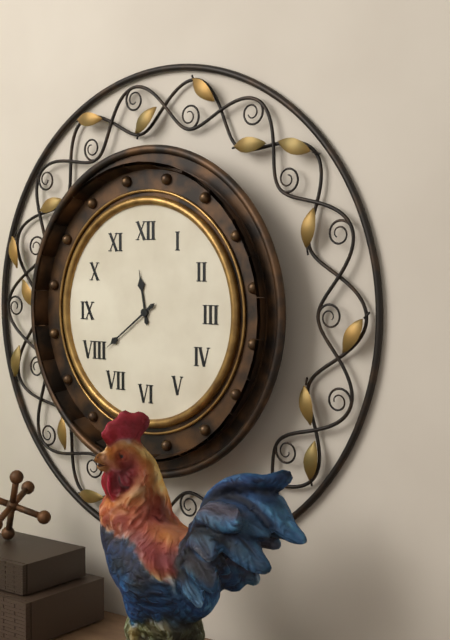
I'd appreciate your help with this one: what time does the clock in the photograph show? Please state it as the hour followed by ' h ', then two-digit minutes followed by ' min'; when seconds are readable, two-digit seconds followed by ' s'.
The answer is 11 h 39 min
